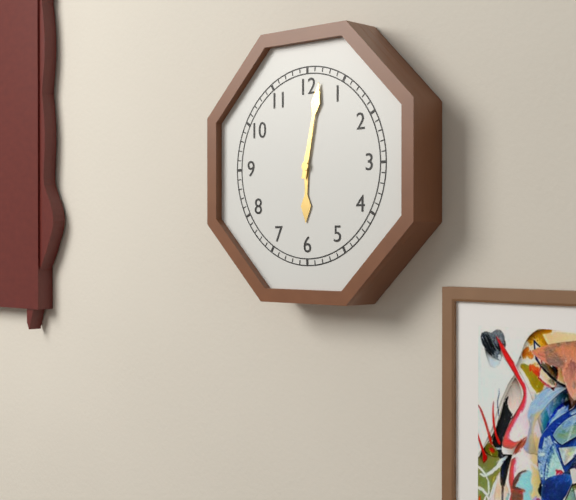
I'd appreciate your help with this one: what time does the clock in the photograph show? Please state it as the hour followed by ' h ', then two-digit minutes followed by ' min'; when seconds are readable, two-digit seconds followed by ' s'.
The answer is 6 h 02 min
